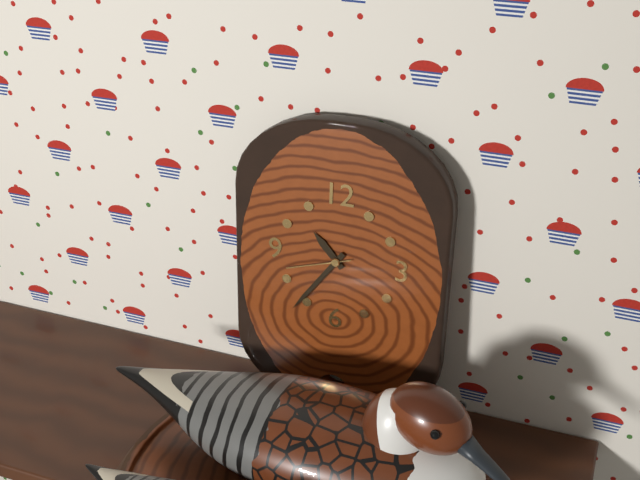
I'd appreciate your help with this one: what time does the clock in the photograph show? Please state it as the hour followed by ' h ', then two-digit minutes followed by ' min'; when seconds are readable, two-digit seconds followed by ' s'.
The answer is 10 h 36 min 42 s
